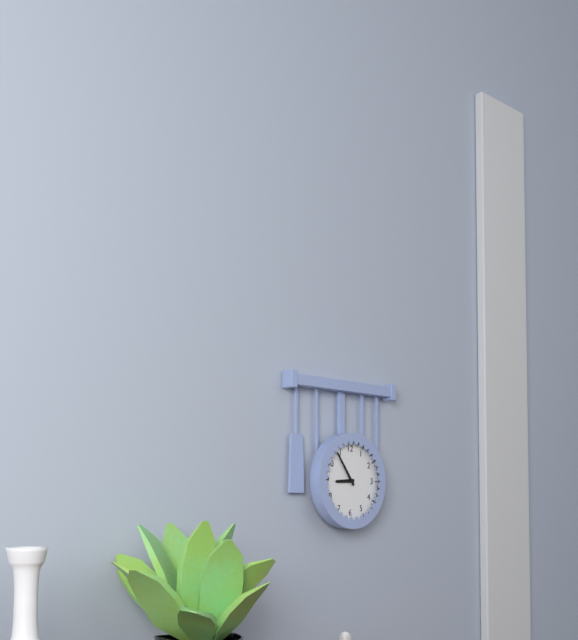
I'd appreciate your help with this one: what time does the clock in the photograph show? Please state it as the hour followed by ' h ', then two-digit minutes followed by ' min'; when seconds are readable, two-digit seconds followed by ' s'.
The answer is 8 h 54 min
